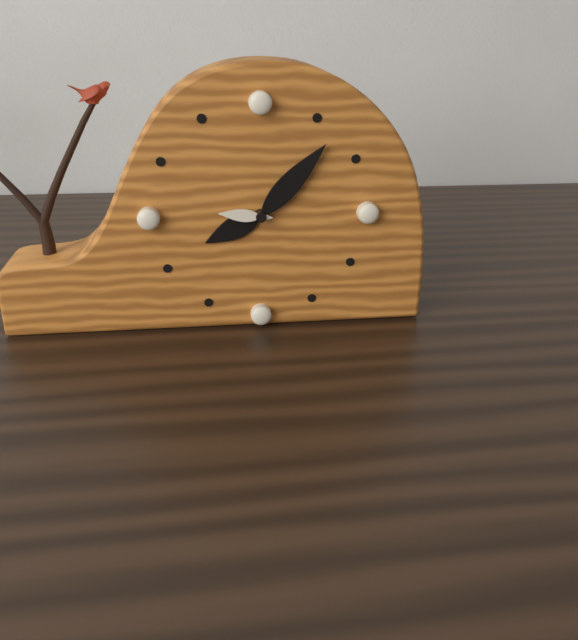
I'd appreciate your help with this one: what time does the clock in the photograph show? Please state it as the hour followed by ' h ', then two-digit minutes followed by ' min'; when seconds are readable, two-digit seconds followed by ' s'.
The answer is 8 h 07 min 46 s
